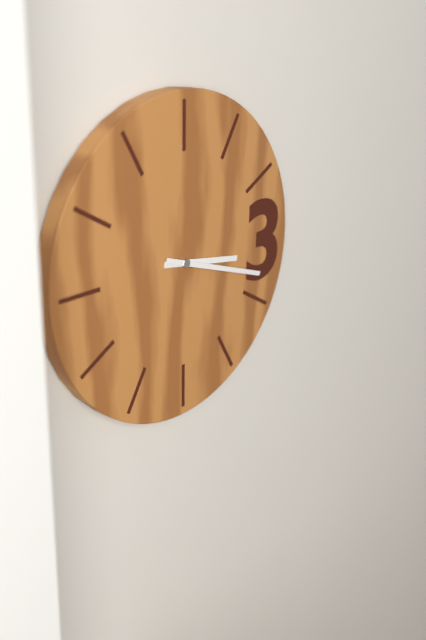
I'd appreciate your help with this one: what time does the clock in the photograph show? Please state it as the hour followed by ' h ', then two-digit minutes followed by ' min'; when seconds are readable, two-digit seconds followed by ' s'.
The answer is 3 h 18 min
